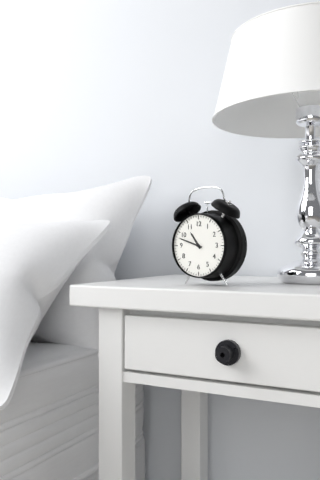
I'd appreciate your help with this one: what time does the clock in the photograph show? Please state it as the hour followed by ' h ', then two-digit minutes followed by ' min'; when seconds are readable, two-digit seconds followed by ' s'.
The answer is 10 h 48 min
